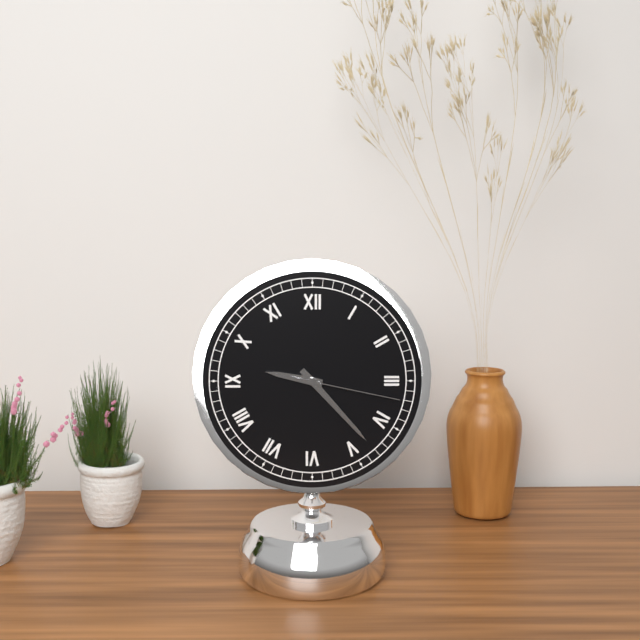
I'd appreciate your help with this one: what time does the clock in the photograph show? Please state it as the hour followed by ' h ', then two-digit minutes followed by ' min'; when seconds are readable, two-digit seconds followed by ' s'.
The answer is 9 h 23 min 17 s
